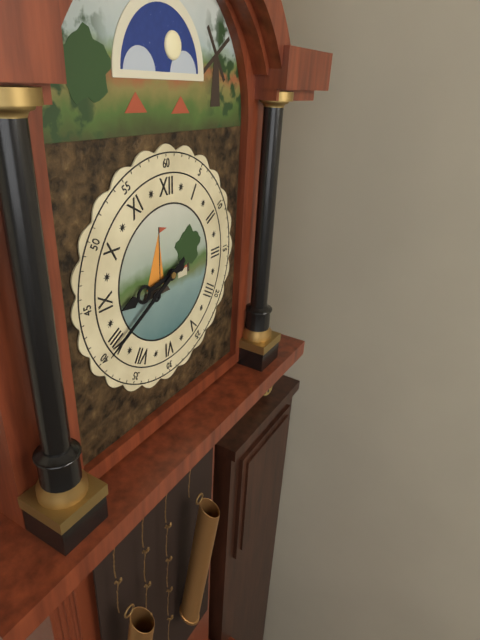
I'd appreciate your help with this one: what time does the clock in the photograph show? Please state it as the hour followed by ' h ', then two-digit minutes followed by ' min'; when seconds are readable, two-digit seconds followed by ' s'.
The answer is 8 h 40 min
